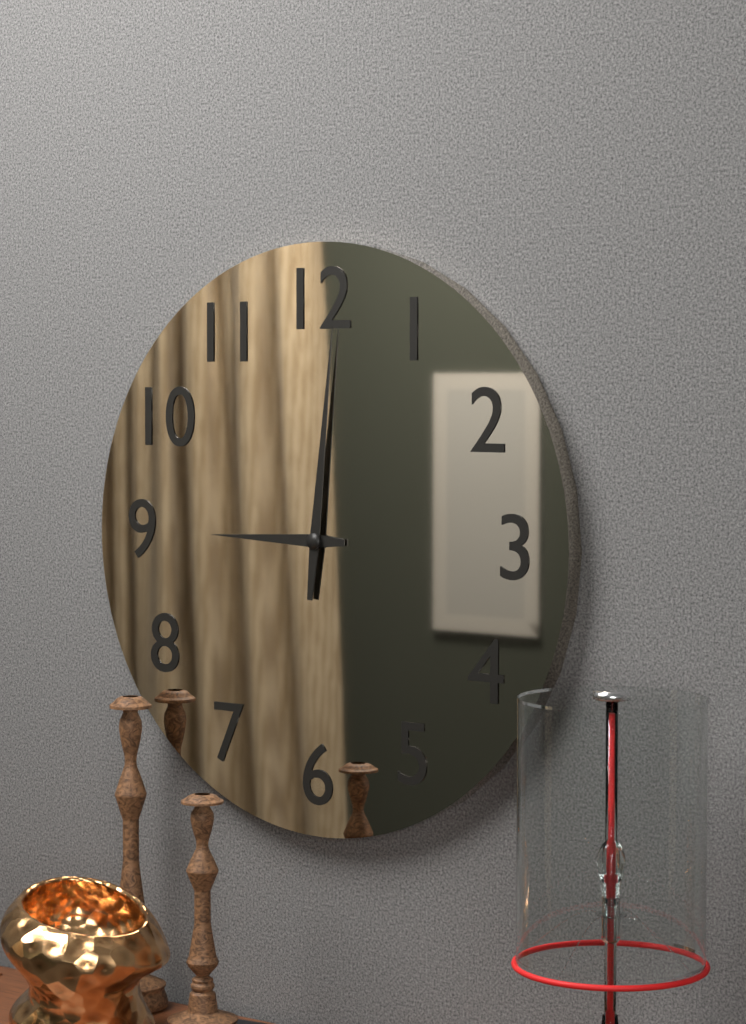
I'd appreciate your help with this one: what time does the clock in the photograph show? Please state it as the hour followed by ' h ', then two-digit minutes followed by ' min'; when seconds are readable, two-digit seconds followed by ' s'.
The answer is 9 h 01 min
